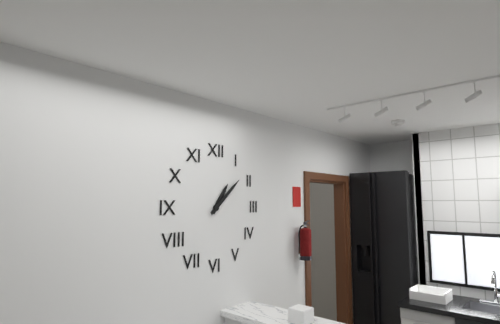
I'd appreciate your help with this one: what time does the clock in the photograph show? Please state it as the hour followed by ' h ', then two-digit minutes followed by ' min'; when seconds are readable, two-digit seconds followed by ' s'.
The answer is 1 h 08 min
